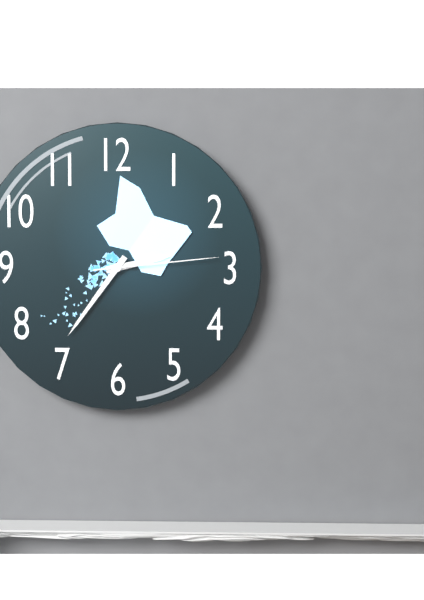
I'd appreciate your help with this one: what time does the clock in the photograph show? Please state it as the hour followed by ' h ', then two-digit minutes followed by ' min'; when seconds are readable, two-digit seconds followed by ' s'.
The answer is 2 h 36 min 14 s
